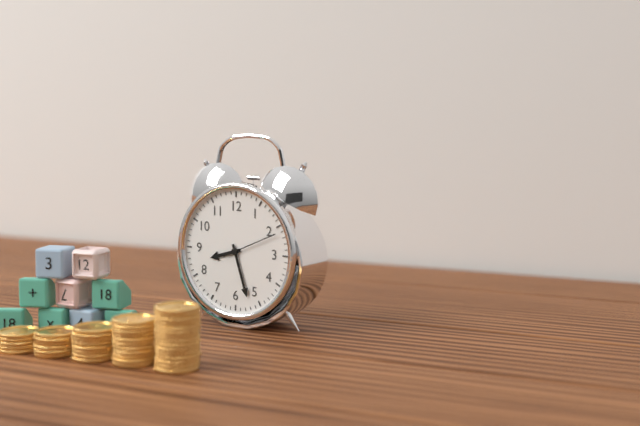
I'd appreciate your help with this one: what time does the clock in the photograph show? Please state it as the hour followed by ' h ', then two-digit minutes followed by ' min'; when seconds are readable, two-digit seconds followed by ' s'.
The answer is 8 h 27 min 11 s
